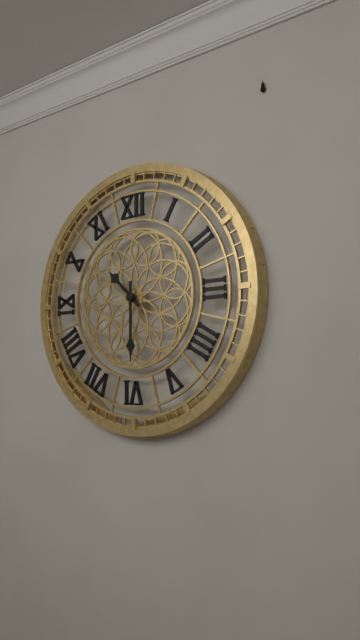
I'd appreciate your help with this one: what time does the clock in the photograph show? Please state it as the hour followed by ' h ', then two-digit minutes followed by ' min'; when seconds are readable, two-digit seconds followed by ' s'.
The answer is 10 h 30 min
